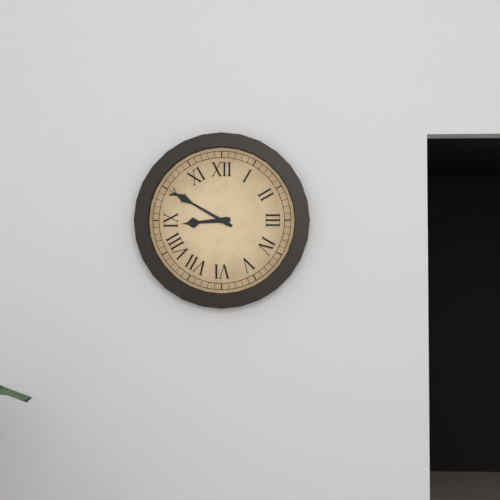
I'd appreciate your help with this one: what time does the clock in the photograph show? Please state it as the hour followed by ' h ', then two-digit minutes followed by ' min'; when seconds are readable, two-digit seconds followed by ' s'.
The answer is 8 h 50 min
